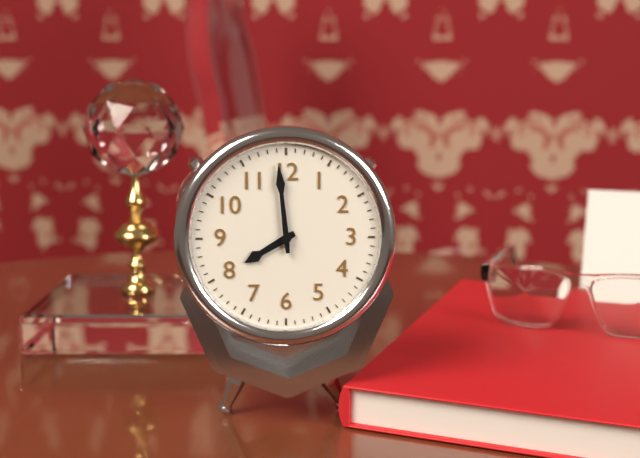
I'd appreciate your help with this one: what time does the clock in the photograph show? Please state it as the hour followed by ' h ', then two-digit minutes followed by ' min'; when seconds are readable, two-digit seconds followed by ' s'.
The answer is 7 h 59 min
